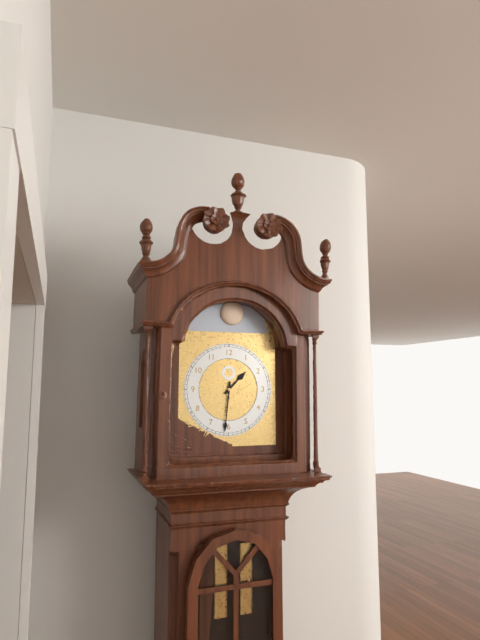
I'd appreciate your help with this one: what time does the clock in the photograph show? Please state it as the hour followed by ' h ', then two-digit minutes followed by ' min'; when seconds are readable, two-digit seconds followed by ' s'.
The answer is 1 h 31 min
